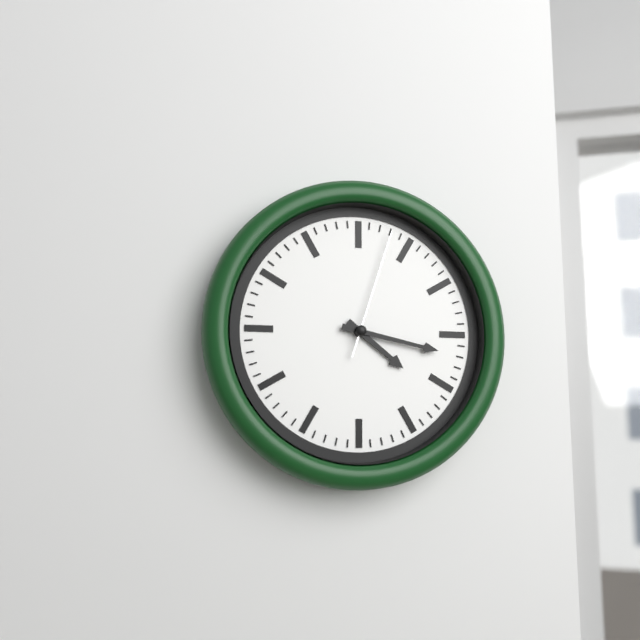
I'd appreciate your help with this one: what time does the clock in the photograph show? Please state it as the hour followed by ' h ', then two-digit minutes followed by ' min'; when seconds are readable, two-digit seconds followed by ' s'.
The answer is 4 h 17 min 03 s
